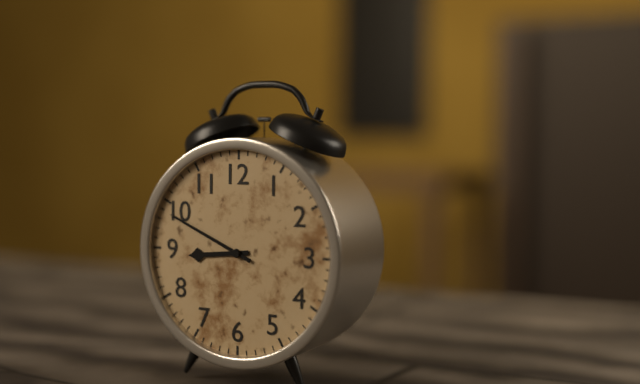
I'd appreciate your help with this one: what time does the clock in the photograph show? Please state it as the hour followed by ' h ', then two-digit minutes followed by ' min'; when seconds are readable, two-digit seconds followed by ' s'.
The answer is 8 h 49 min
